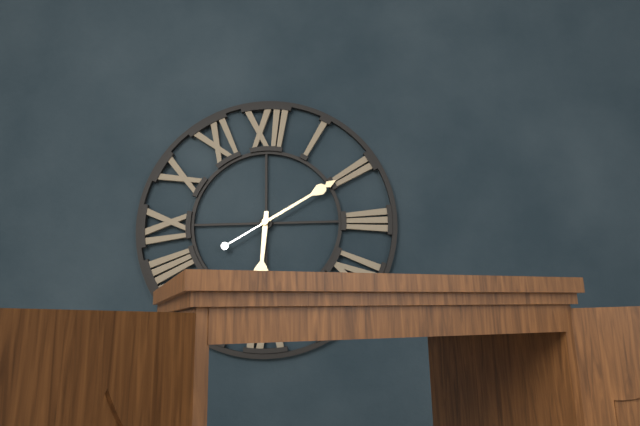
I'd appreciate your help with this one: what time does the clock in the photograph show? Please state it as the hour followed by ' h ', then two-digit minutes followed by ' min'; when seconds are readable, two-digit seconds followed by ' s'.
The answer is 6 h 10 min
